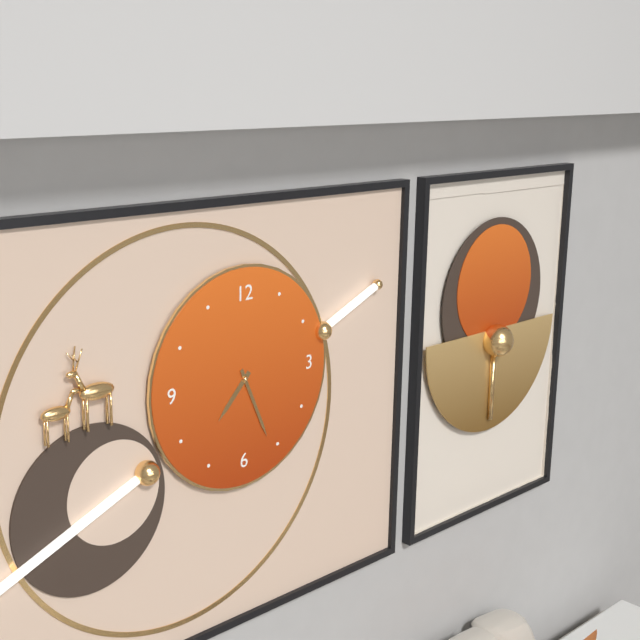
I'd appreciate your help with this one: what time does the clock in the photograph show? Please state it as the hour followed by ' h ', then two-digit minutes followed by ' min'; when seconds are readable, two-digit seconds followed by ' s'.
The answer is 7 h 26 min
